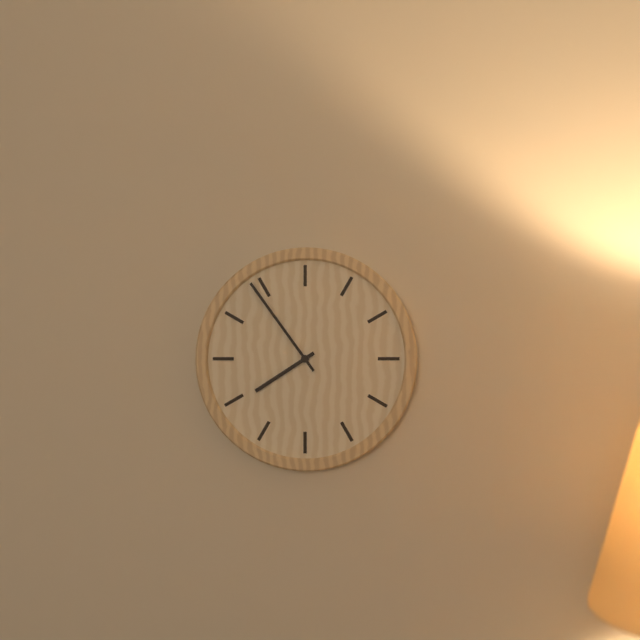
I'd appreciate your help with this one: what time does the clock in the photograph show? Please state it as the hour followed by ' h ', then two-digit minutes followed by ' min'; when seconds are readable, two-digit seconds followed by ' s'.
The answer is 7 h 54 min
